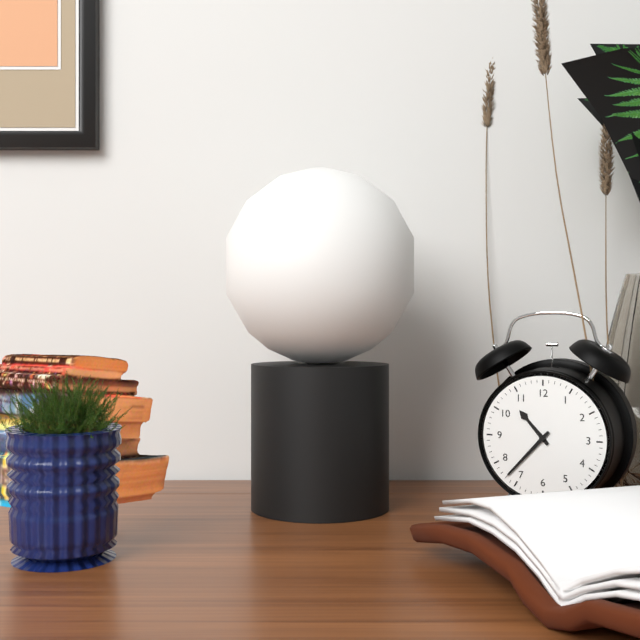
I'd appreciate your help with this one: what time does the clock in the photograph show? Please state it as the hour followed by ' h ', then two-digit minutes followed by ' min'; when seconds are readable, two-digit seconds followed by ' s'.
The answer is 10 h 37 min
